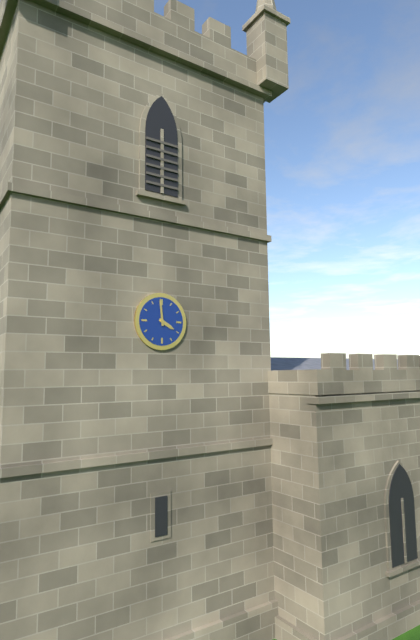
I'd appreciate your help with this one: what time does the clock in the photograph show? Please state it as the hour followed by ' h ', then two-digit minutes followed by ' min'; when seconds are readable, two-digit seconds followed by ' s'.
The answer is 3 h 59 min
